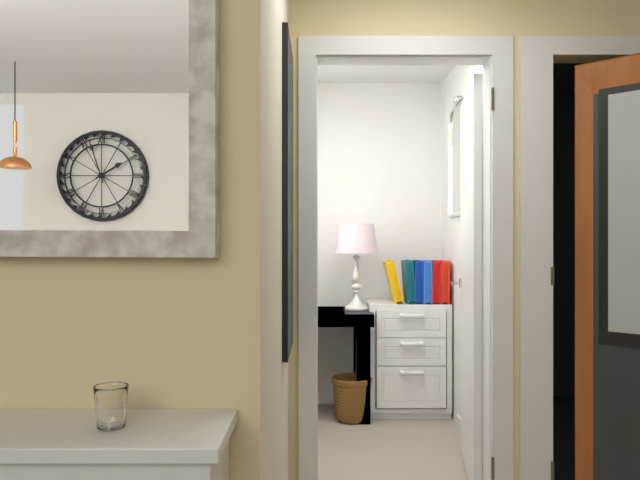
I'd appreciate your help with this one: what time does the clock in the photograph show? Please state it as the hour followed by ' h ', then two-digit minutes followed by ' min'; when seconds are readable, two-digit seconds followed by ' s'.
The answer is 1 h 57 min
